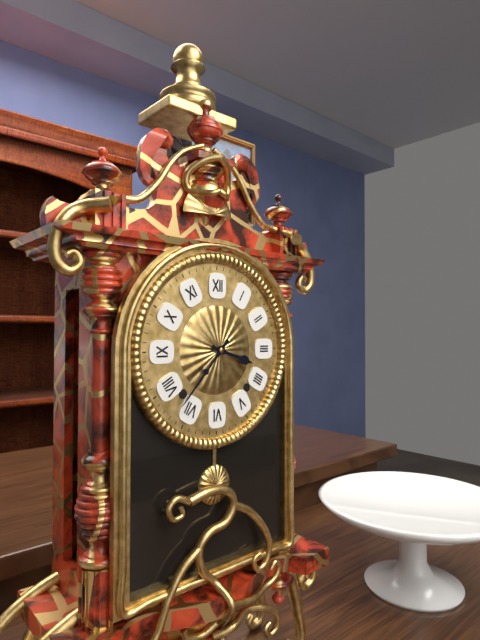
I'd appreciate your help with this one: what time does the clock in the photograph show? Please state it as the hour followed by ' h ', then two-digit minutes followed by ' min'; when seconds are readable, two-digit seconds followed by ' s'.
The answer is 3 h 37 min
